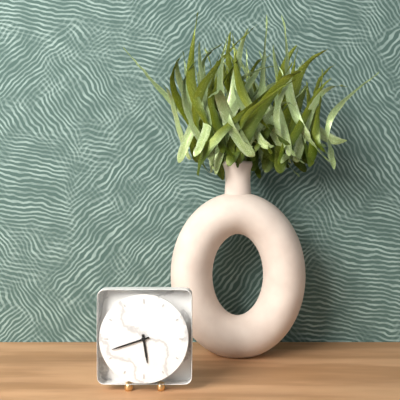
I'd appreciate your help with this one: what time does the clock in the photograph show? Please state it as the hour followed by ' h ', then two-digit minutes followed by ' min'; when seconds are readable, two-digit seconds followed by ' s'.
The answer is 5 h 42 min
